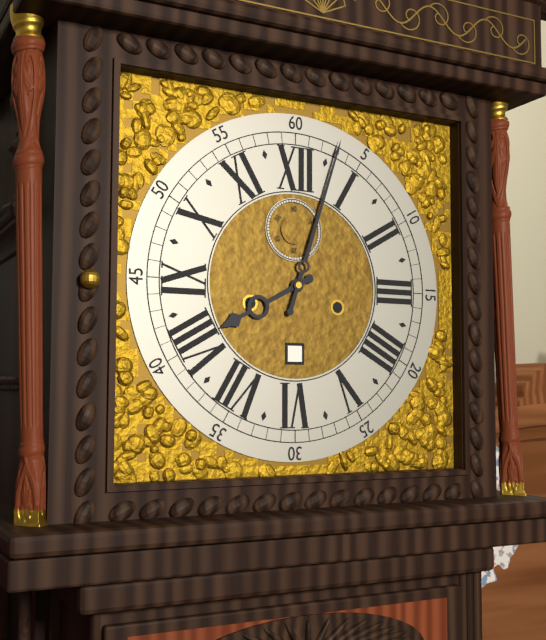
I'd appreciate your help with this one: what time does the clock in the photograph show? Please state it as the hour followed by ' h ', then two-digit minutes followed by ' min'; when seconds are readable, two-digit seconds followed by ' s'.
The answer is 8 h 03 min
